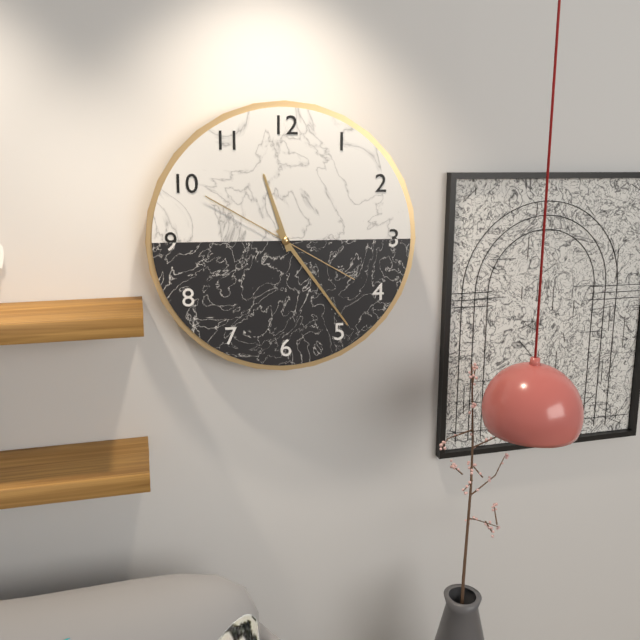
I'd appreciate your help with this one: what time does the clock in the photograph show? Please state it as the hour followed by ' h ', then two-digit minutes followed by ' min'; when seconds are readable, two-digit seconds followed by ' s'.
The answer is 11 h 24 min 50 s
